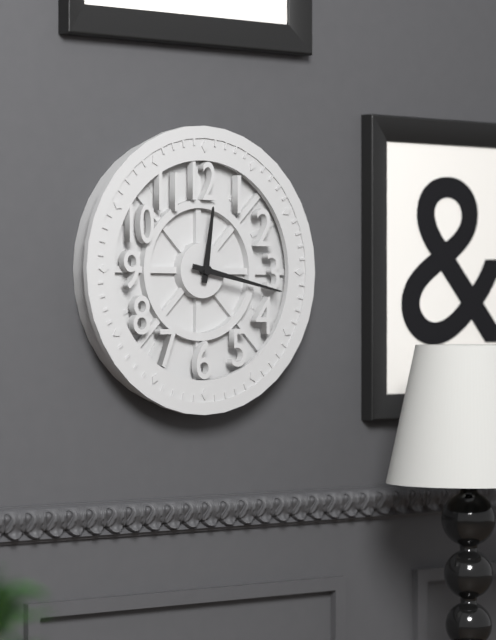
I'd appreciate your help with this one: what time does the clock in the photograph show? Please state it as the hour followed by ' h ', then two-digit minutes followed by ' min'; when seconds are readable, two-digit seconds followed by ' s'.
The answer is 12 h 17 min
